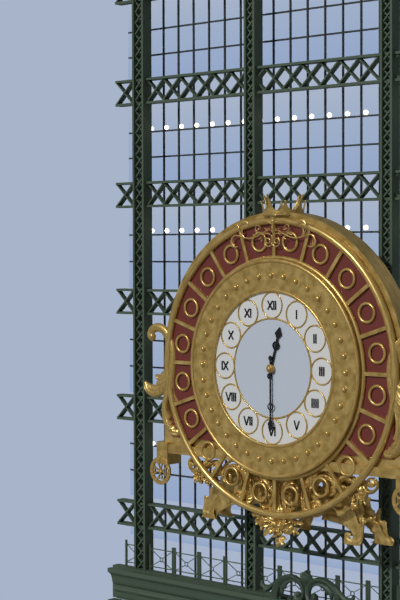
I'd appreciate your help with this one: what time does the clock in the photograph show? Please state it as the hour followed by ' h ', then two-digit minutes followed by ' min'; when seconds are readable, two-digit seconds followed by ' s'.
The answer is 12 h 30 min
